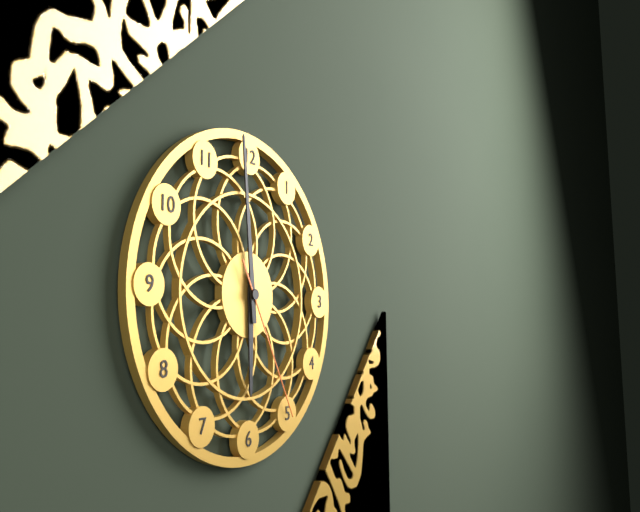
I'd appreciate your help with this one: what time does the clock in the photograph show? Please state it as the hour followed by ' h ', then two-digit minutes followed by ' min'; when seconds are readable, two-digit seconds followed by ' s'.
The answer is 5 h 59 min 25 s
